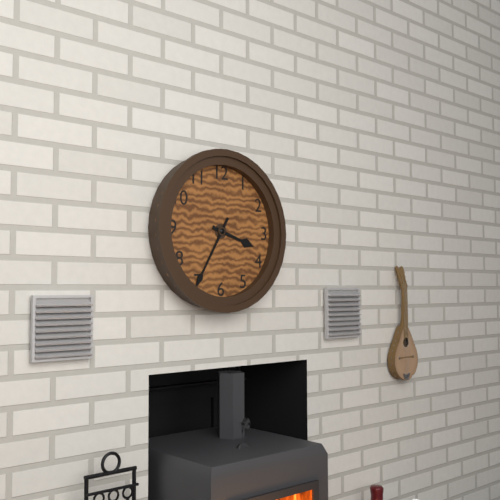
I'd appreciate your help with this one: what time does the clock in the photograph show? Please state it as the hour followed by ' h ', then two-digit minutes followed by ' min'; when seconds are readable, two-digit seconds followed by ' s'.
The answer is 3 h 35 min
